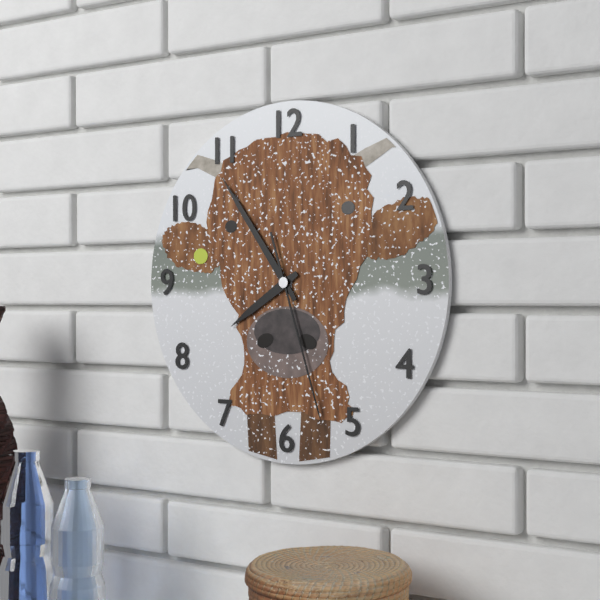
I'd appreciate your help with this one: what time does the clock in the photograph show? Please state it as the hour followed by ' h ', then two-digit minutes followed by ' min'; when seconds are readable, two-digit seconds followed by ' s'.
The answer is 7 h 54 min 27 s
